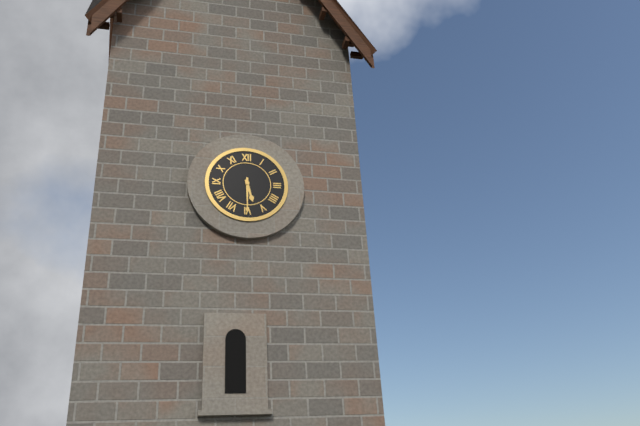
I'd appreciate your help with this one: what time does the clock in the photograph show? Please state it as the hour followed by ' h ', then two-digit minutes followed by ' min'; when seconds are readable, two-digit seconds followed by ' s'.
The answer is 5 h 30 min
